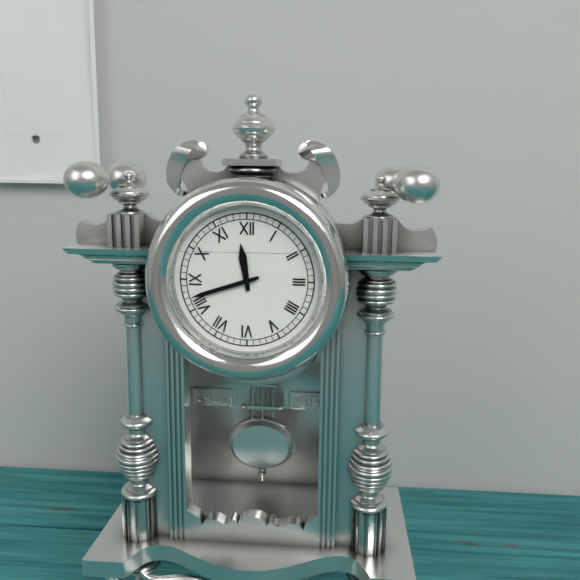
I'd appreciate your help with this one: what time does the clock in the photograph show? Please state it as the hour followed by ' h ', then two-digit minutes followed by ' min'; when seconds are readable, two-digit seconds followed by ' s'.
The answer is 11 h 42 min
